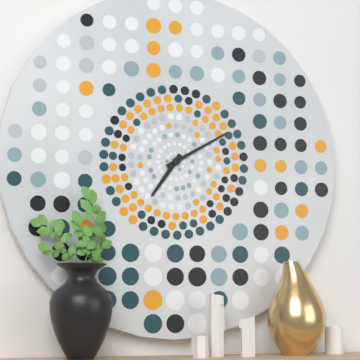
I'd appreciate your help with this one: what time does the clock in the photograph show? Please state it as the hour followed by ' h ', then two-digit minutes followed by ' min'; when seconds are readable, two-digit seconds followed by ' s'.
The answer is 7 h 10 min
